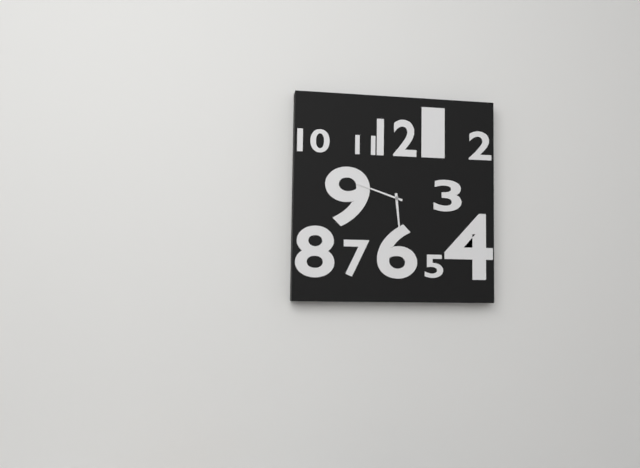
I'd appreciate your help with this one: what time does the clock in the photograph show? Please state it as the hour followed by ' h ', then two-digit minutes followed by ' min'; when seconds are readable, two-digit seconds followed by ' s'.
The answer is 5 h 48 min
